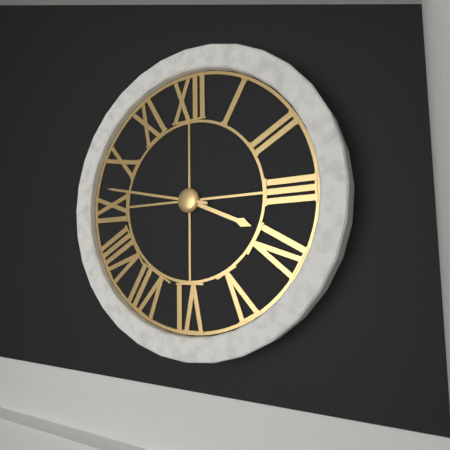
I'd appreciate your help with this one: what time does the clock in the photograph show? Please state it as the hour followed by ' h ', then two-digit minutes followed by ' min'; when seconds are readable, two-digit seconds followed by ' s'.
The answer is 3 h 47 min
